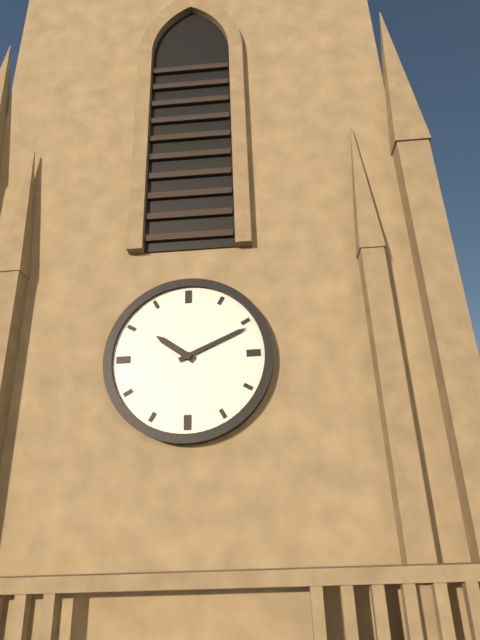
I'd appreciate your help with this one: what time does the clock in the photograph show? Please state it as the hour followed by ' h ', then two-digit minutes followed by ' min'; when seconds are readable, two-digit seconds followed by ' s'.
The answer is 10 h 11 min
